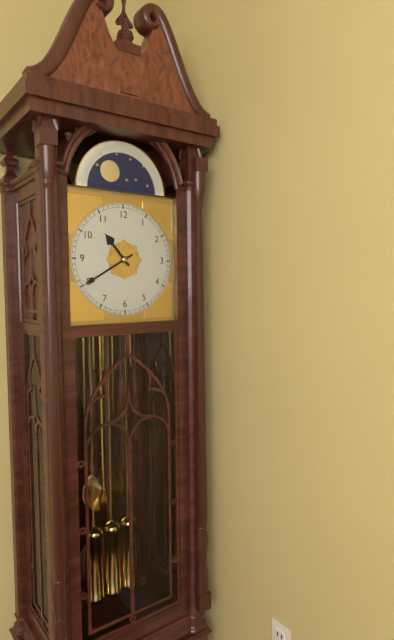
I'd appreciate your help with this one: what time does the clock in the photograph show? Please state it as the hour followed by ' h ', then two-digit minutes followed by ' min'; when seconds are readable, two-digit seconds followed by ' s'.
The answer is 10 h 40 min
